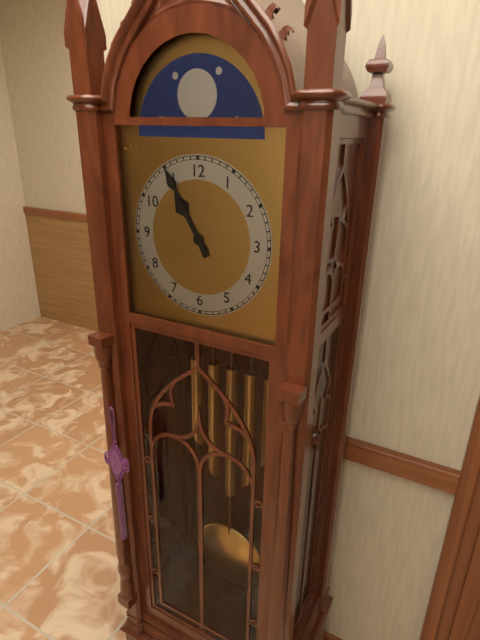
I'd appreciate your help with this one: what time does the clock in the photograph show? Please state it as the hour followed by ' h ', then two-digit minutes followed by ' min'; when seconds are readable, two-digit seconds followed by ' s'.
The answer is 10 h 55 min
